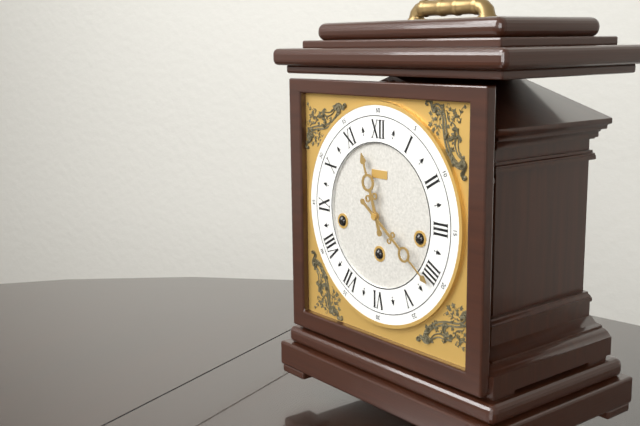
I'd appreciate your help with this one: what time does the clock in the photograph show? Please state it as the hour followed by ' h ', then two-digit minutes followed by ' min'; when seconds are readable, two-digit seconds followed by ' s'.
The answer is 11 h 21 min
